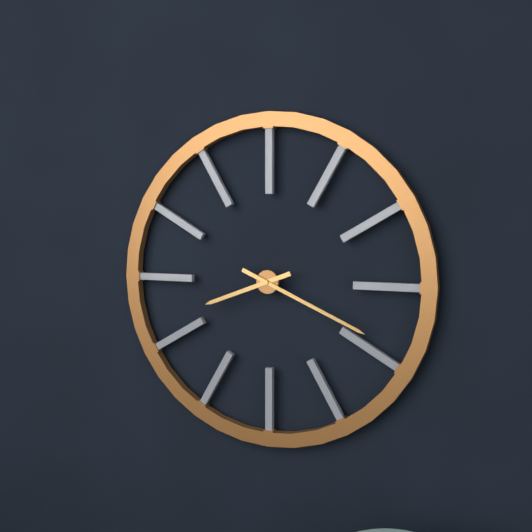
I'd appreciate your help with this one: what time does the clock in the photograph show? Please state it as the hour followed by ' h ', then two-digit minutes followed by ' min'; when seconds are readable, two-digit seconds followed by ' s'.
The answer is 8 h 19 min
